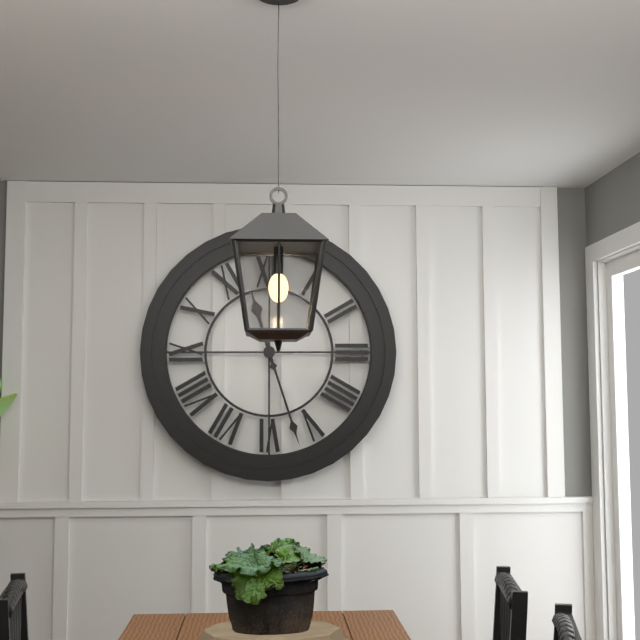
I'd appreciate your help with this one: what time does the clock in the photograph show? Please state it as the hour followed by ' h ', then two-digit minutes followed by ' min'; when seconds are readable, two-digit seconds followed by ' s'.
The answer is 11 h 27 min
